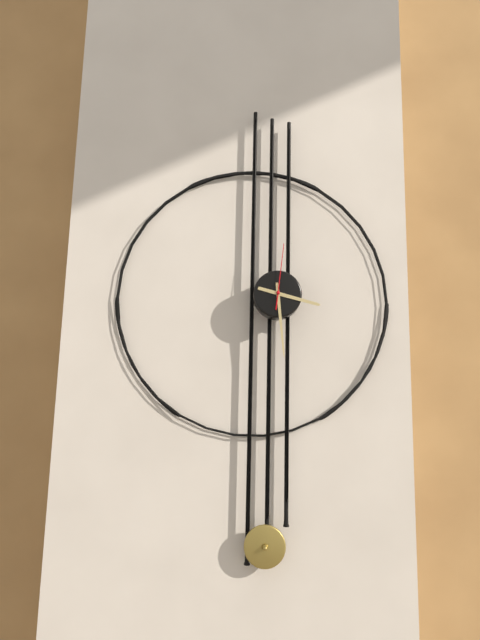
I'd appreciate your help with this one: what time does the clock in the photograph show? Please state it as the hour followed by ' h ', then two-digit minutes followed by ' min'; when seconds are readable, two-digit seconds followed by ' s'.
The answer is 3 h 29 min 01 s
